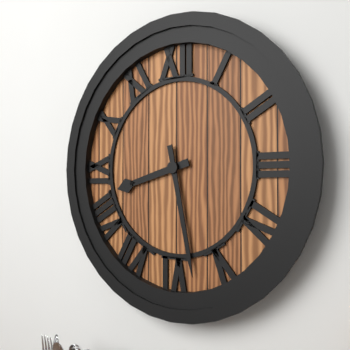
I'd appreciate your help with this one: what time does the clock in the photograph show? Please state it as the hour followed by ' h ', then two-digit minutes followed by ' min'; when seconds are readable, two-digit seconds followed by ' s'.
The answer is 8 h 28 min
